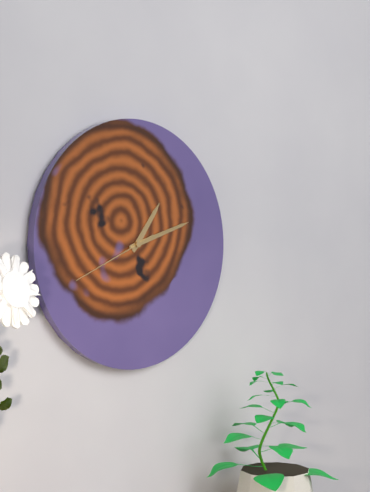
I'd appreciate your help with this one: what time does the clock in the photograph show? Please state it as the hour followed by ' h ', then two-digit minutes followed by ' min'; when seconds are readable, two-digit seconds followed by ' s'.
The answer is 1 h 12 min 41 s
